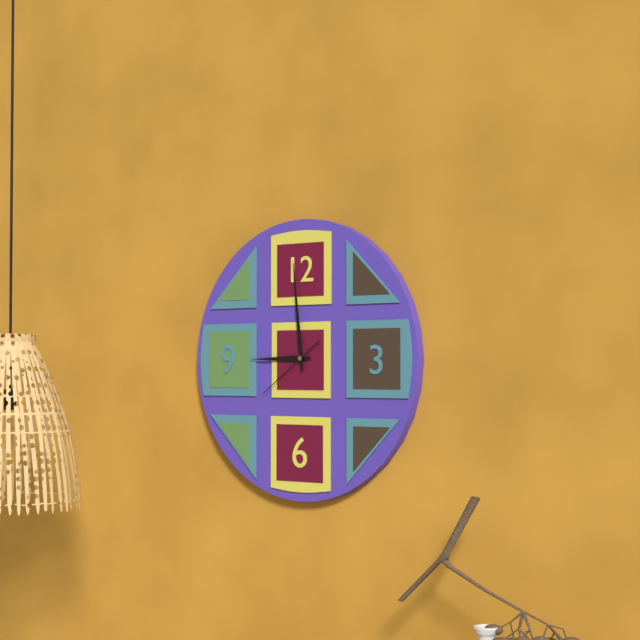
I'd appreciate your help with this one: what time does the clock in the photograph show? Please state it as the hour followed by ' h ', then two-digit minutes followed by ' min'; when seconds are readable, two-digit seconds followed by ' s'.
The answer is 8 h 59 min 39 s
